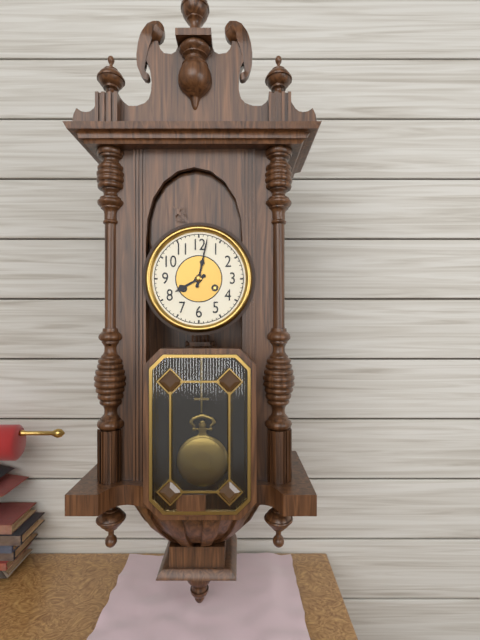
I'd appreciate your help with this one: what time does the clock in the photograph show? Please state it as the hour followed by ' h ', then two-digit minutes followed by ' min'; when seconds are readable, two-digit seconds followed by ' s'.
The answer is 8 h 02 min
